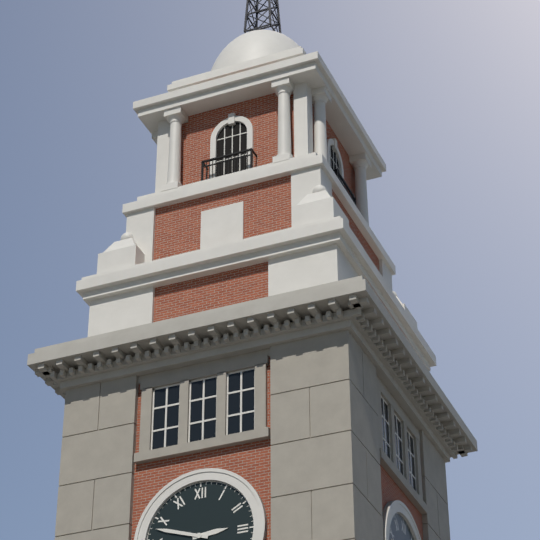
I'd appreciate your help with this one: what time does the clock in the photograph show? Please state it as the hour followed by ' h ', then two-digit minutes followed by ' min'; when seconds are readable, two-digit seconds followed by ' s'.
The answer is 2 h 48 min
